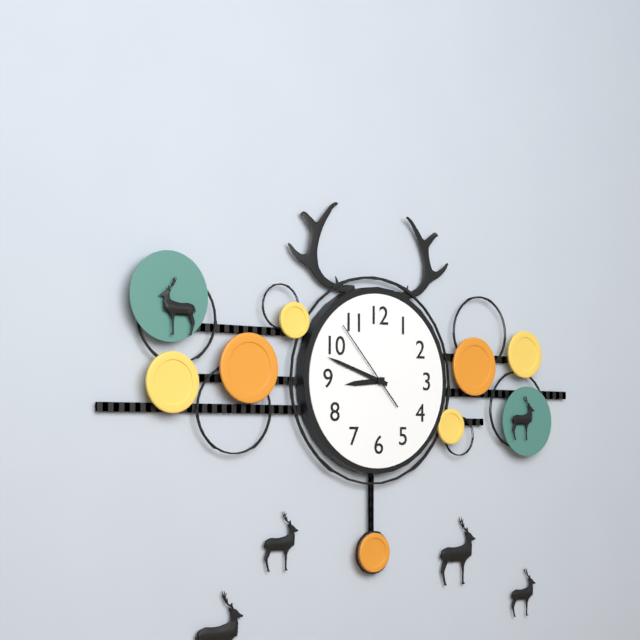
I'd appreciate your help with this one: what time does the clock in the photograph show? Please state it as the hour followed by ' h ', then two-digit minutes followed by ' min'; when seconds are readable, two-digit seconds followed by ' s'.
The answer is 8 h 48 min 53 s
